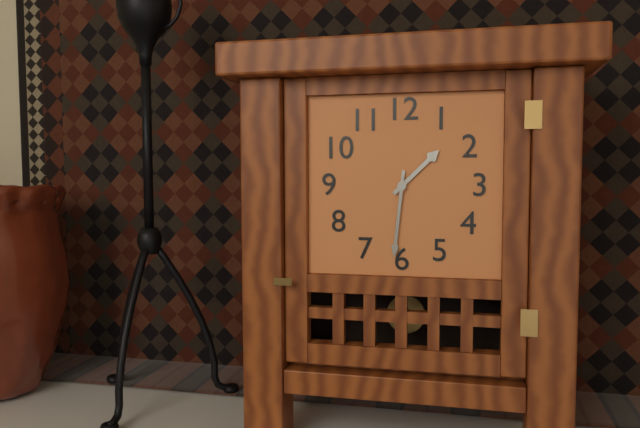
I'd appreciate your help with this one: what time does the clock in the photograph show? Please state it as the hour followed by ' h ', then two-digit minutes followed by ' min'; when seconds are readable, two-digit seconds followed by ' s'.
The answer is 1 h 31 min
